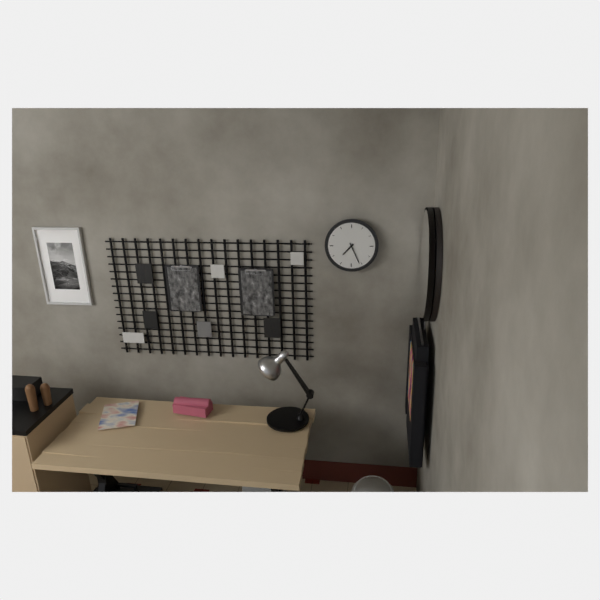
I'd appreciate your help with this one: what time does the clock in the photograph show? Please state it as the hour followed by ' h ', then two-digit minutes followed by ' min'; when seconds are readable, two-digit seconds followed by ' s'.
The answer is 7 h 26 min
